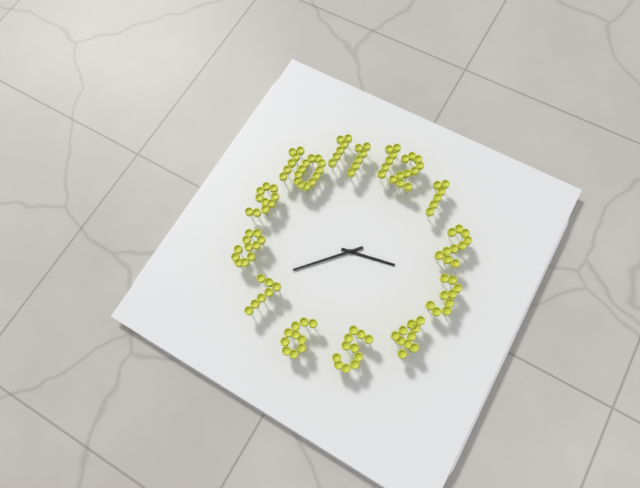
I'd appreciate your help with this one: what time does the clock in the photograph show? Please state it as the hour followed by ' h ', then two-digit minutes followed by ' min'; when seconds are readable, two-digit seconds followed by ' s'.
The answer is 2 h 37 min
